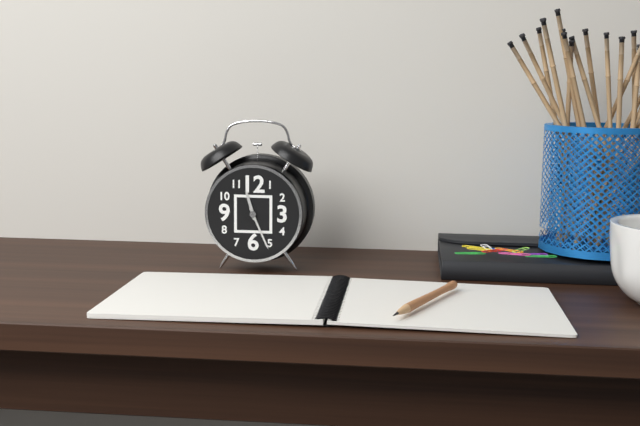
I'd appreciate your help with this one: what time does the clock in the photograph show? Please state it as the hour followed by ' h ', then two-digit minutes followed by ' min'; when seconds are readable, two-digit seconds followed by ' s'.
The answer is 11 h 26 min
